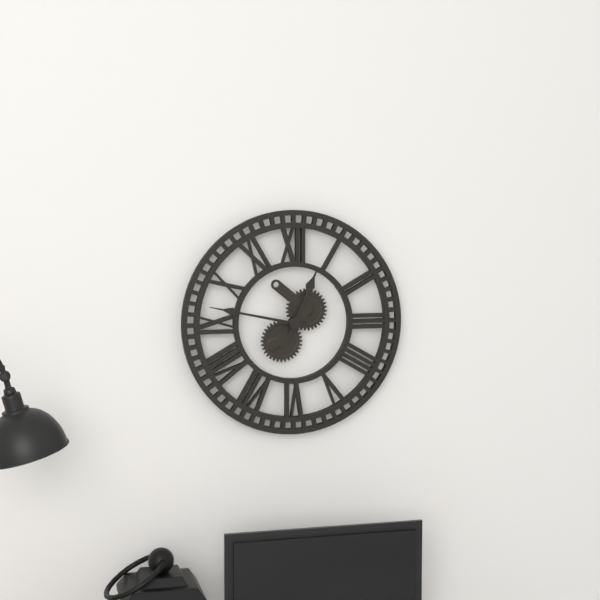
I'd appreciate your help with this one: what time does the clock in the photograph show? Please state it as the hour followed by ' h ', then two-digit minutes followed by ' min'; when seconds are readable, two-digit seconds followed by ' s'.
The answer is 12 h 47 min
